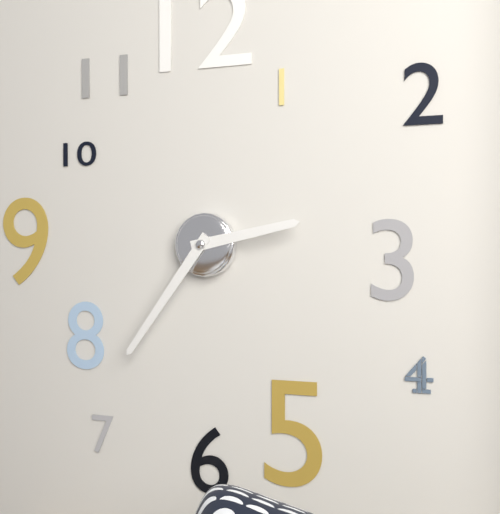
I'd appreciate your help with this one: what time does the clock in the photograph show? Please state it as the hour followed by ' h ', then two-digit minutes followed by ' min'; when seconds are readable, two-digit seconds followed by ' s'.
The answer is 2 h 36 min
